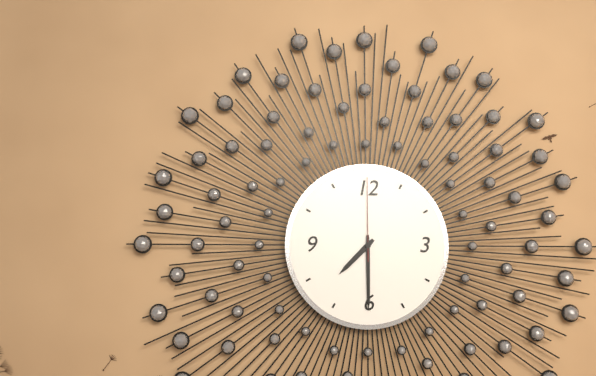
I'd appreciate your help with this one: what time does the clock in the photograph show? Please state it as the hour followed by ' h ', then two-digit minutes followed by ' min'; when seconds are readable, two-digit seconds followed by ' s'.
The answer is 7 h 30 min 00 s
